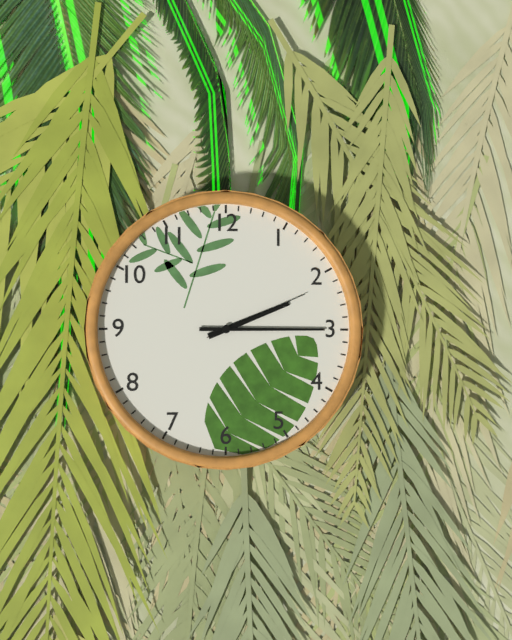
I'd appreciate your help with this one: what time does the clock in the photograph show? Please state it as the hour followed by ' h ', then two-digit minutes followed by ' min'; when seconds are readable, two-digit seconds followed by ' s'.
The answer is 2 h 15 min 11 s
